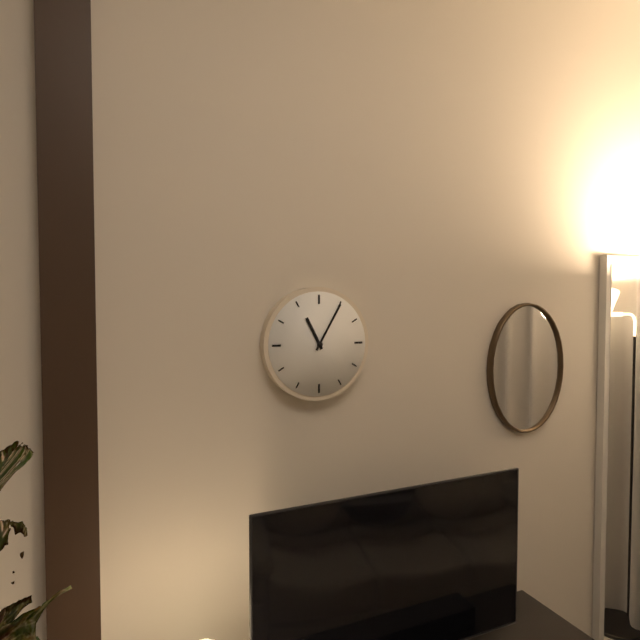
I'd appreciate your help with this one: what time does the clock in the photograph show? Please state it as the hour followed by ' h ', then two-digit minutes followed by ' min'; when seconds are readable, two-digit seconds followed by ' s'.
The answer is 11 h 05 min
